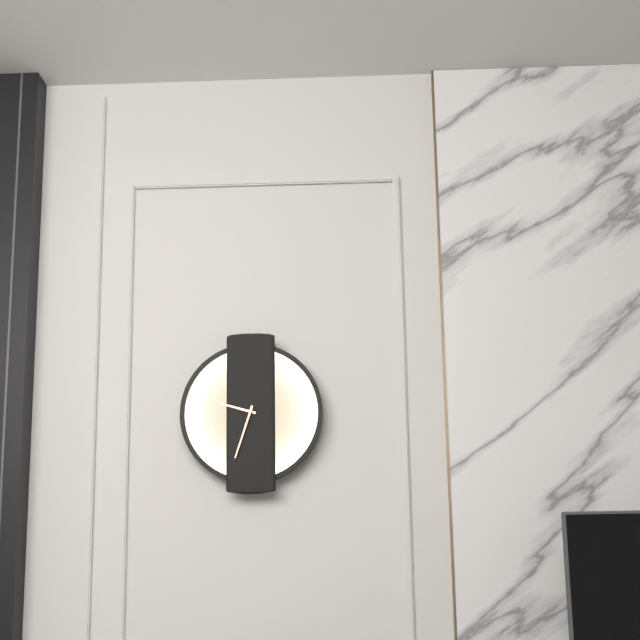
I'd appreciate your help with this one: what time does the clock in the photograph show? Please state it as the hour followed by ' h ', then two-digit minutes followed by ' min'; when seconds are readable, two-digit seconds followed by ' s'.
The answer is 9 h 33 min
